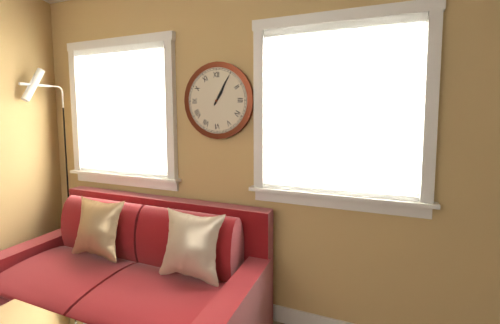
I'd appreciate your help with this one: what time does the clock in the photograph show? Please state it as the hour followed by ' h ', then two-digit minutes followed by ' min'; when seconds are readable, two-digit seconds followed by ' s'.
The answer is 1 h 05 min
